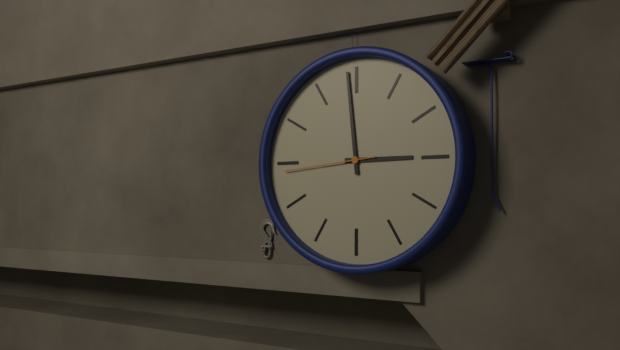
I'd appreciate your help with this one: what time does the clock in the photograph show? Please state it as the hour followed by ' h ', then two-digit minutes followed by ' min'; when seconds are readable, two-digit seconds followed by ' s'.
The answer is 2 h 59 min 44 s
